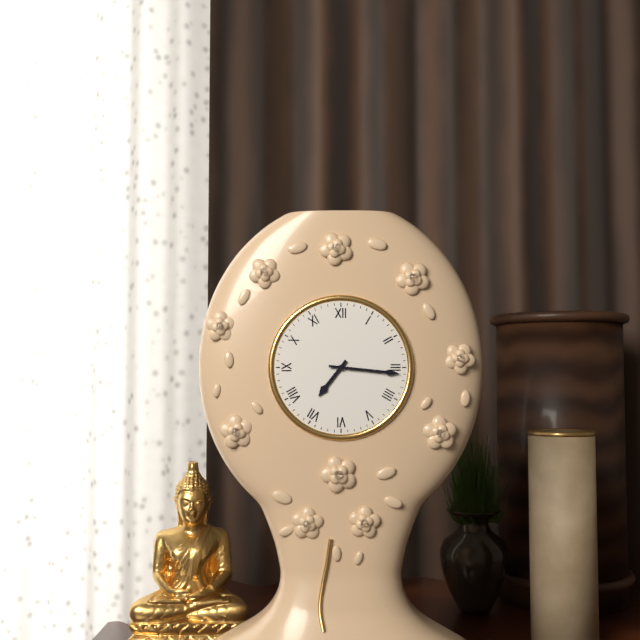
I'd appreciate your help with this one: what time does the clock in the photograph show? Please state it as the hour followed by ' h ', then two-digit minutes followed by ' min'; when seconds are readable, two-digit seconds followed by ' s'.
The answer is 7 h 16 min
